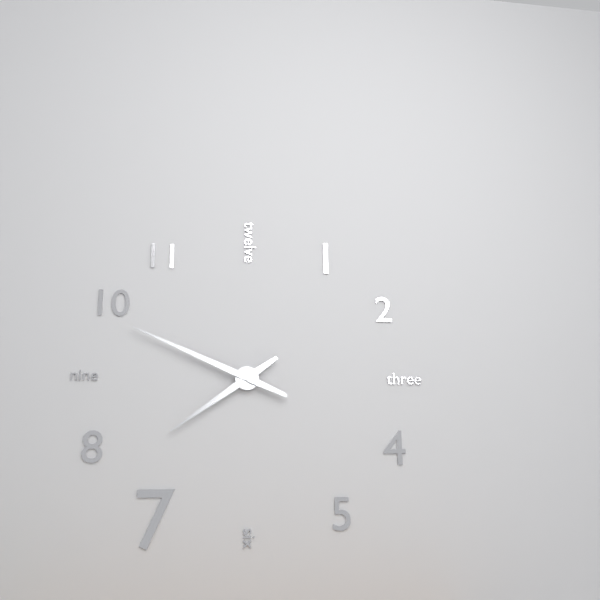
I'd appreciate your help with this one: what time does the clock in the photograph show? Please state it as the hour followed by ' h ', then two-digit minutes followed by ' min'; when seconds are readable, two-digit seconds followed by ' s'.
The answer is 7 h 49 min
